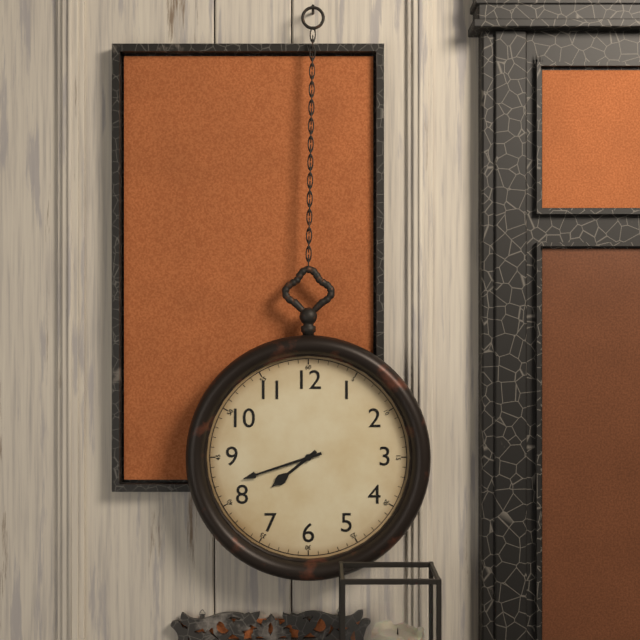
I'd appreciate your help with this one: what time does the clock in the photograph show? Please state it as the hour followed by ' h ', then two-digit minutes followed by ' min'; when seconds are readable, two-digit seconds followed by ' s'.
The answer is 7 h 42 min
